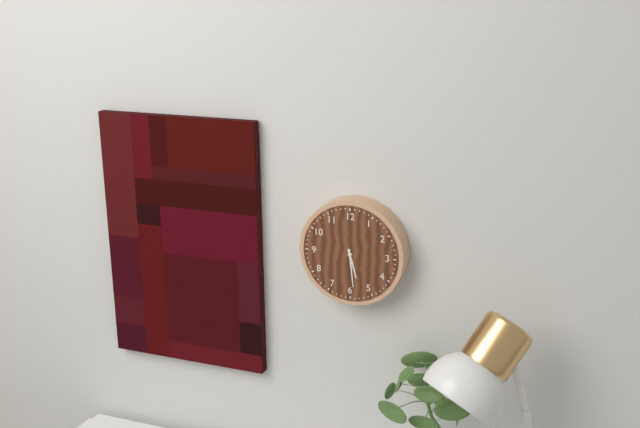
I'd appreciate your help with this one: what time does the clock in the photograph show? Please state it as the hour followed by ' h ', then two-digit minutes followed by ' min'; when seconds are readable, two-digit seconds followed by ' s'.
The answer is 5 h 29 min
